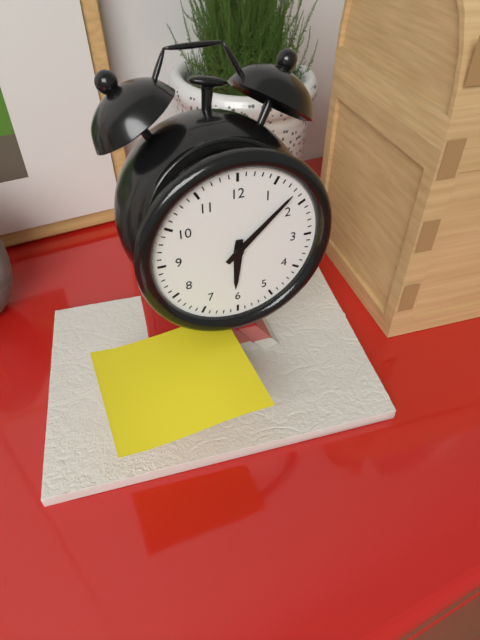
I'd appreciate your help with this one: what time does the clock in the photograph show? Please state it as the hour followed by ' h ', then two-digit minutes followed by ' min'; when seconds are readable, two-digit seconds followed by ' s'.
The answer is 6 h 08 min
